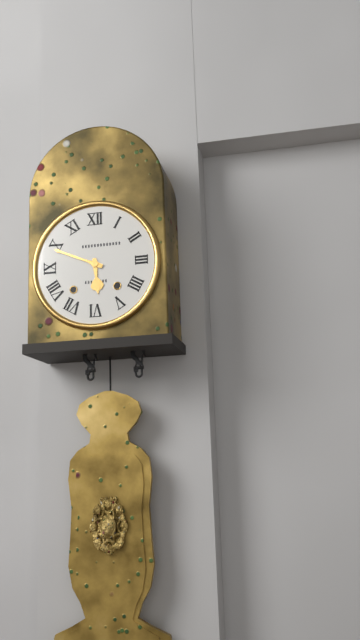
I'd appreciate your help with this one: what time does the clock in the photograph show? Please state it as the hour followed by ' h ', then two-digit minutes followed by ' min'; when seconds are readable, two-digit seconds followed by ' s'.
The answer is 5 h 49 min
